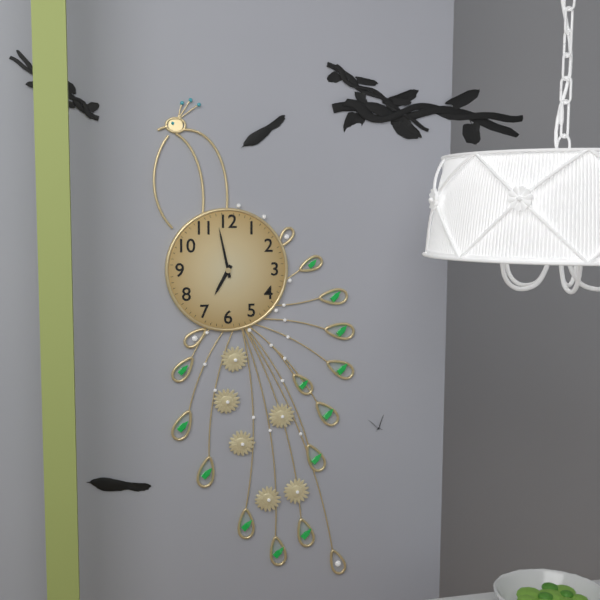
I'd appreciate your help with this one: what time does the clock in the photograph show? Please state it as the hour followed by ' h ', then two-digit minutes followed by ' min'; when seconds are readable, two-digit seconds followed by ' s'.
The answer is 6 h 58 min
